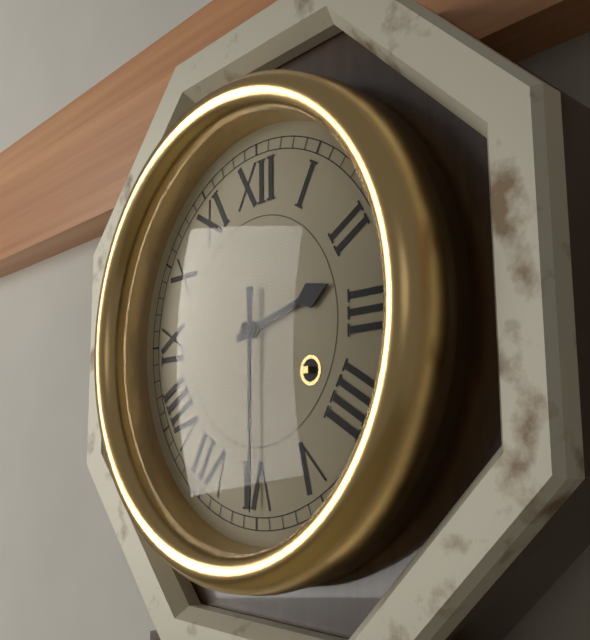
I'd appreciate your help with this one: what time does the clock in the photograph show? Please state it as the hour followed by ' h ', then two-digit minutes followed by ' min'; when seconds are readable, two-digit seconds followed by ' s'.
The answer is 2 h 30 min
